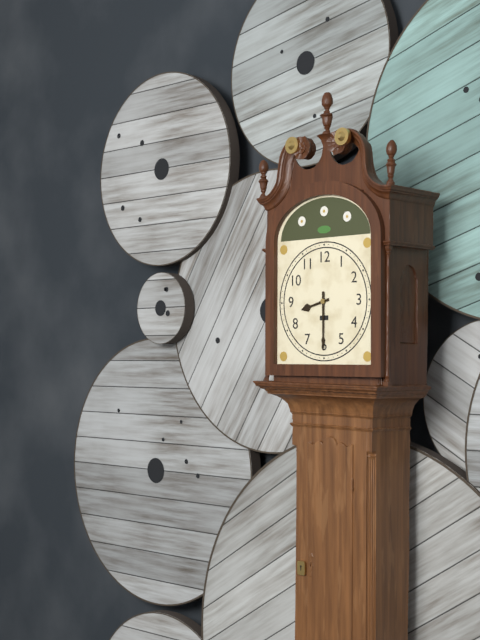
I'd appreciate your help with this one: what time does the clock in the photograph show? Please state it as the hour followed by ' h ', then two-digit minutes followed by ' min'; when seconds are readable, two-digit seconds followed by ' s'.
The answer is 8 h 30 min
